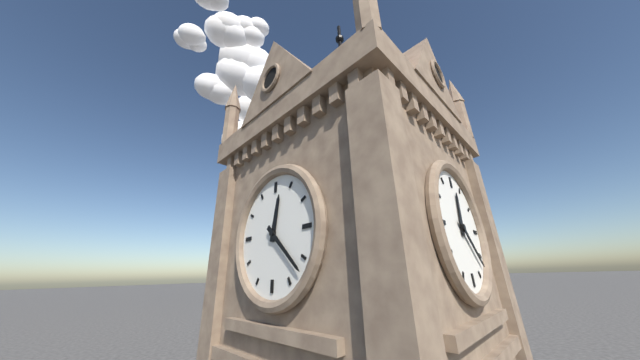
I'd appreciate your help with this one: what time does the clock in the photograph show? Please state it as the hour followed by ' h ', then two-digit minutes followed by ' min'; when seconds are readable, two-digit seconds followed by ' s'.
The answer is 12 h 22 min
